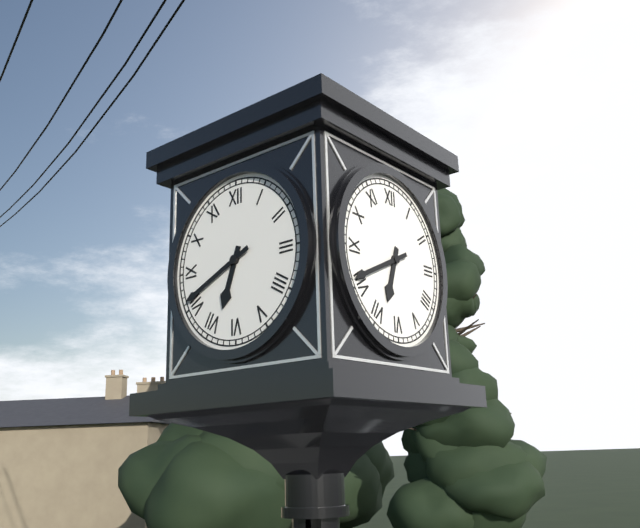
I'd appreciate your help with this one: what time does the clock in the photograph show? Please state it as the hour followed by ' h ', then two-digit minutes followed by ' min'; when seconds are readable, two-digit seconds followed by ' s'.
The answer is 6 h 41 min
